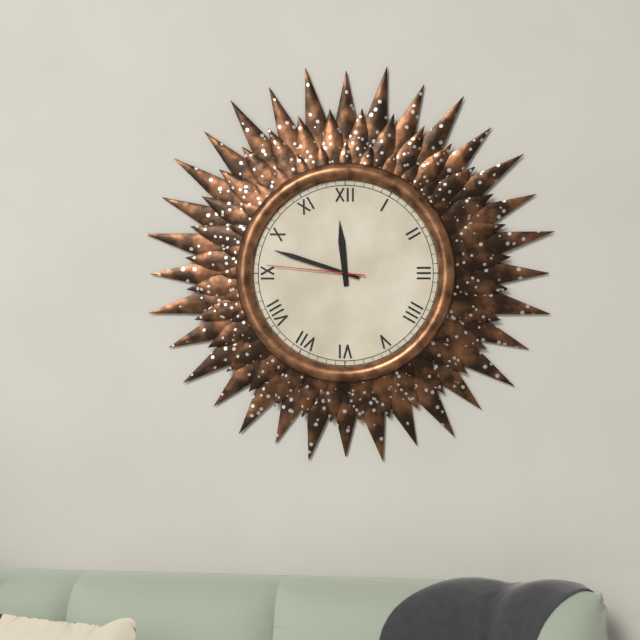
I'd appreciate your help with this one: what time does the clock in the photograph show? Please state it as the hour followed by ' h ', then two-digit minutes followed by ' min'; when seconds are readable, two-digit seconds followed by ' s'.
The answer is 11 h 48 min 46 s
